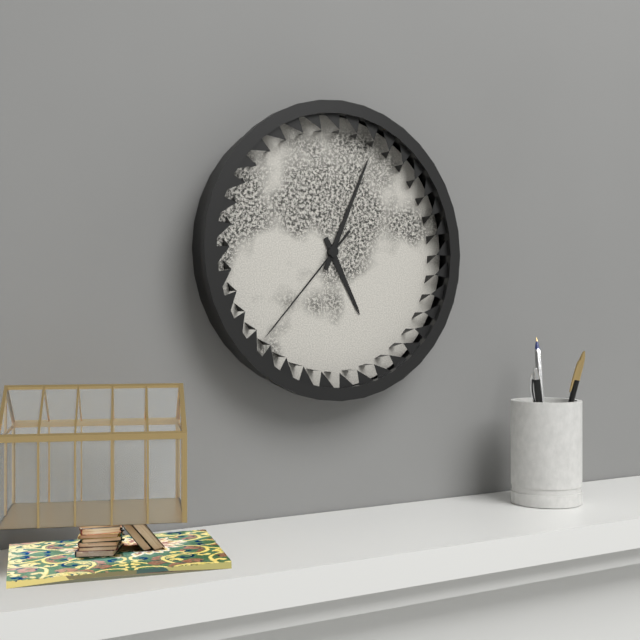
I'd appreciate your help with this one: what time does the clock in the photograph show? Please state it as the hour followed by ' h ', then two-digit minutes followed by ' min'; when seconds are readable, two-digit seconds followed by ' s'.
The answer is 5 h 04 min 37 s
